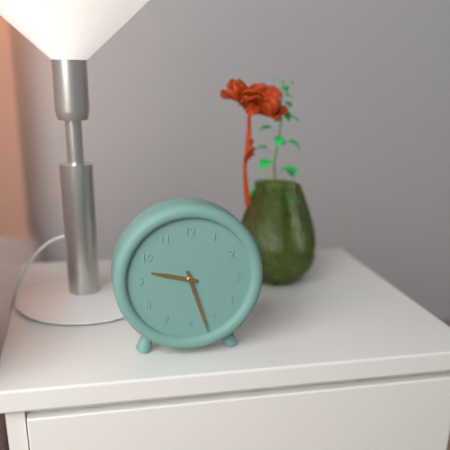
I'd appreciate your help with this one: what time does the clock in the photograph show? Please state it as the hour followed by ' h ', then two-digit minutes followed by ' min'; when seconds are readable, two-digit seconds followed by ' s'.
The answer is 9 h 27 min
